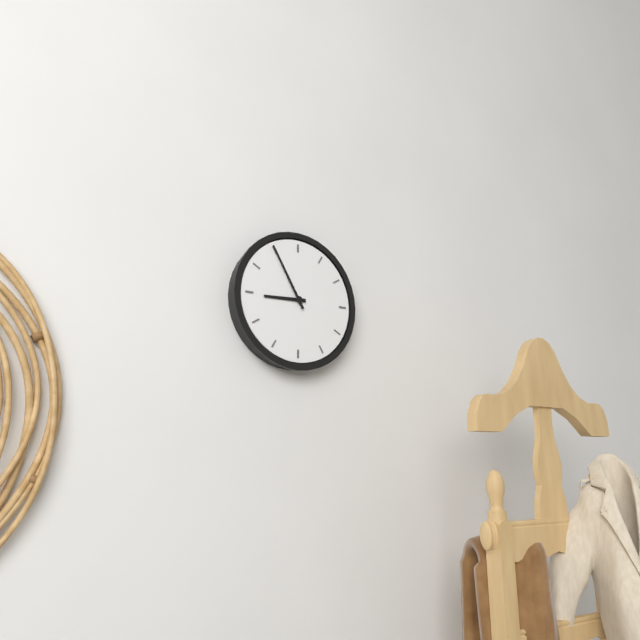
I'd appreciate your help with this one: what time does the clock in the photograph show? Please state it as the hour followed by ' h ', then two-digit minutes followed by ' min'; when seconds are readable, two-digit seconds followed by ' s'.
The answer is 8 h 55 min
